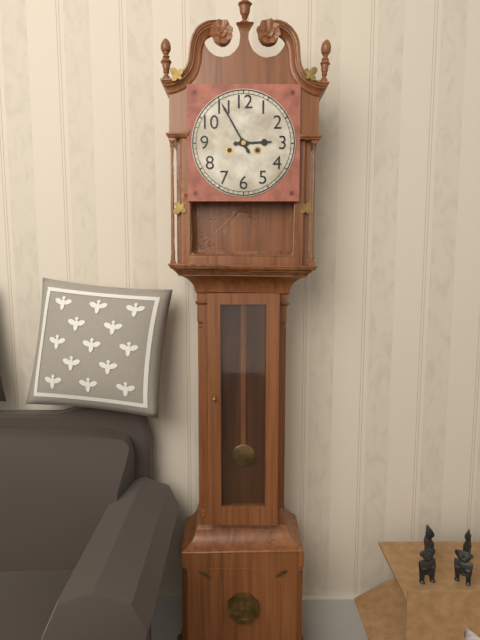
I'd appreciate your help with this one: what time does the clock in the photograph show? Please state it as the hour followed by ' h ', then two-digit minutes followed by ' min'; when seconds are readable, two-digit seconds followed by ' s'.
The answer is 2 h 55 min
